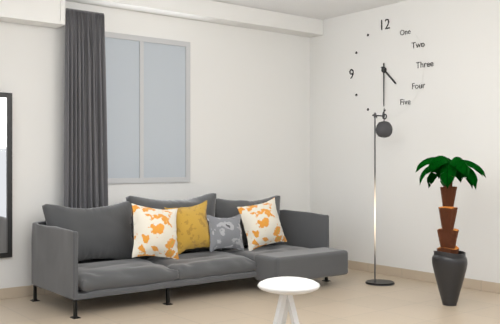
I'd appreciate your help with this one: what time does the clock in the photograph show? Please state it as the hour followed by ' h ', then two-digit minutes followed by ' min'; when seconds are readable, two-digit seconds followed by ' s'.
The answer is 4 h 30 min
